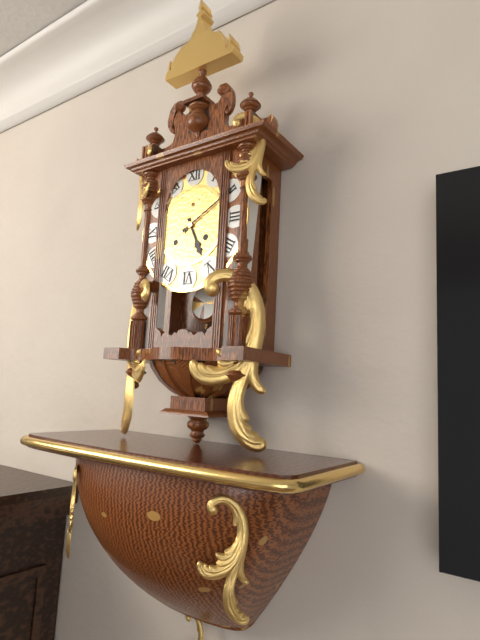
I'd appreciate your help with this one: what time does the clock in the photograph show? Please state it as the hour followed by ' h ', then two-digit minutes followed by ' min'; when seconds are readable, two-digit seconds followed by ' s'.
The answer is 5 h 10 min
